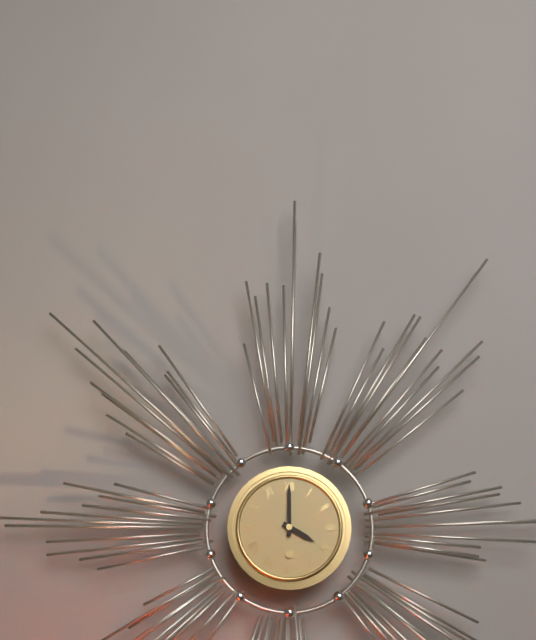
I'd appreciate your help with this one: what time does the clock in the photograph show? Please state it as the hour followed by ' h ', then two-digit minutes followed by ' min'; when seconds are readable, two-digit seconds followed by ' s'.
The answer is 4 h 00 min
